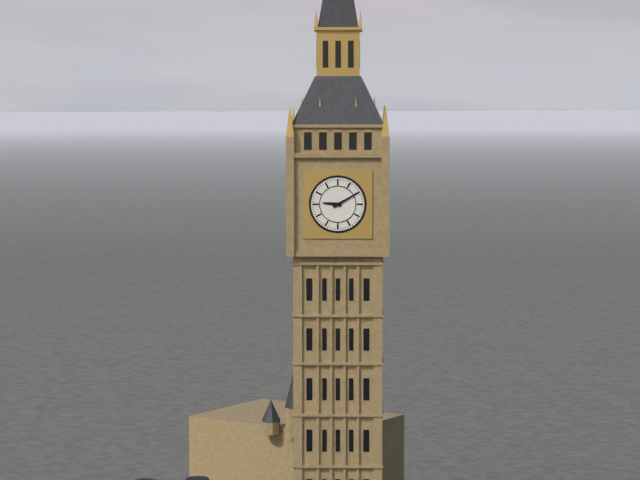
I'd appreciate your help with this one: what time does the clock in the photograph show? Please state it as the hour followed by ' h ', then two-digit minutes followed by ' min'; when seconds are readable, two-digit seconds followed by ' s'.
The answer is 9 h 10 min
